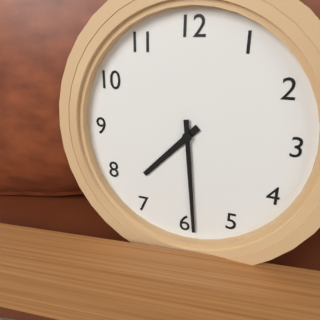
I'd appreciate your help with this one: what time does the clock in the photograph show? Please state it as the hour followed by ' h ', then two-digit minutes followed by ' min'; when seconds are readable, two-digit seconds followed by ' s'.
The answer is 7 h 29 min
